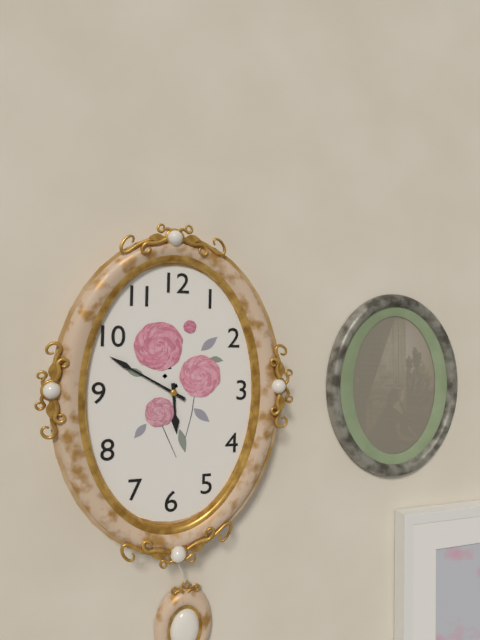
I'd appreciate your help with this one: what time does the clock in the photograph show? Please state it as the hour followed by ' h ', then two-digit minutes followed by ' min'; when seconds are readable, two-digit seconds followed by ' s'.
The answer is 5 h 50 min
